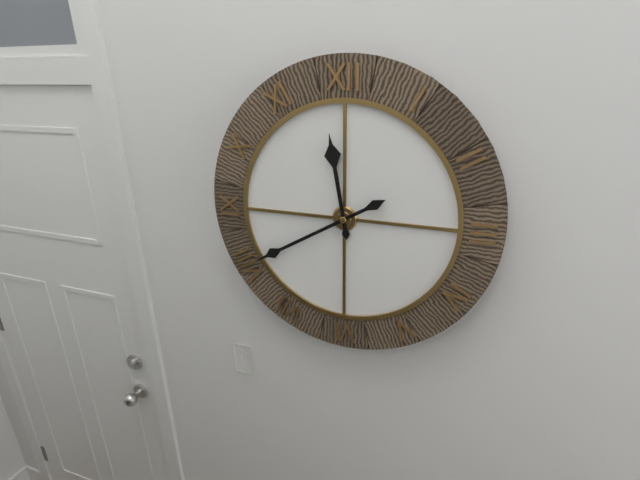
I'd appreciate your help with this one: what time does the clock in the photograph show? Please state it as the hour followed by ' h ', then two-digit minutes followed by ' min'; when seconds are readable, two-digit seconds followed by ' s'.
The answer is 11 h 40 min
